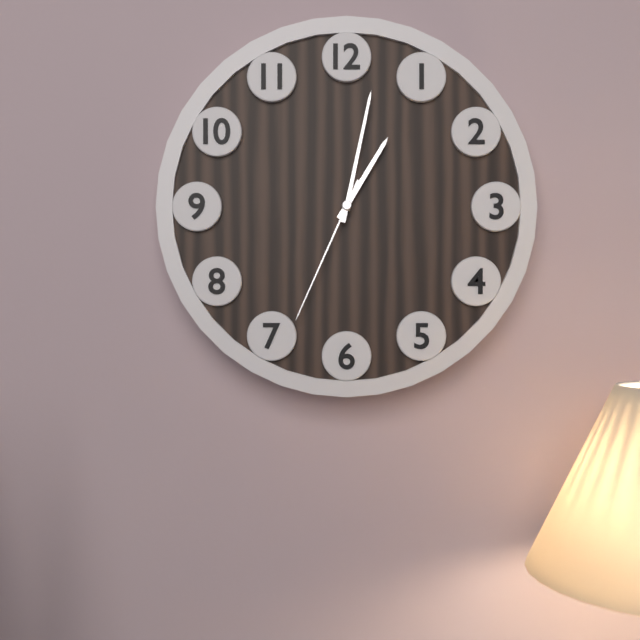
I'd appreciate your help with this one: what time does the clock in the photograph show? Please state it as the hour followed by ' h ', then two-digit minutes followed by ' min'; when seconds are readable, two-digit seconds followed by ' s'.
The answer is 1 h 02 min 34 s
